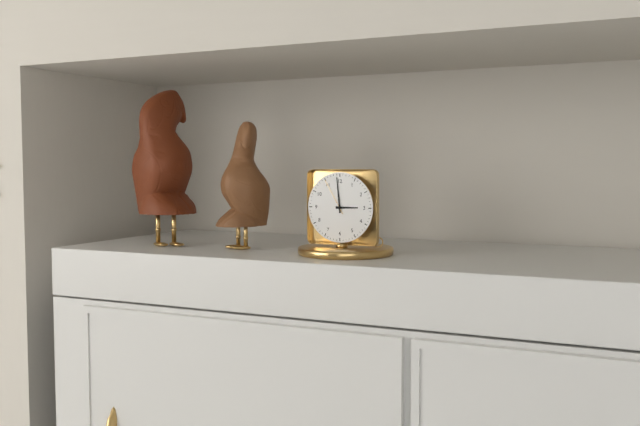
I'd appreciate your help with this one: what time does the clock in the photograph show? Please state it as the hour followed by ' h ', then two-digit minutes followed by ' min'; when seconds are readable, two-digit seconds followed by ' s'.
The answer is 2 h 59 min
